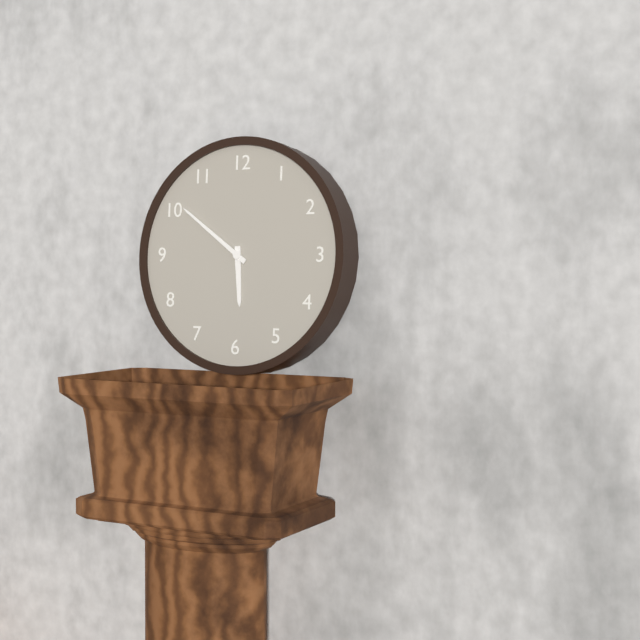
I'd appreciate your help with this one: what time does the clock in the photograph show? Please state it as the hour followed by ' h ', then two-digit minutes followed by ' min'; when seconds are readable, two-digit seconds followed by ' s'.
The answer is 5 h 51 min
